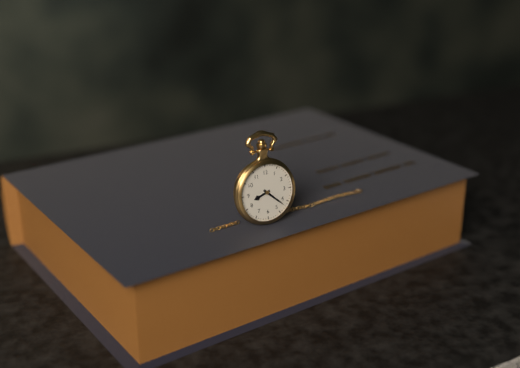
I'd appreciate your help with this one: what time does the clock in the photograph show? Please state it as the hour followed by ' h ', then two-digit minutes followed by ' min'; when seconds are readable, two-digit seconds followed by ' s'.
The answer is 8 h 22 min
